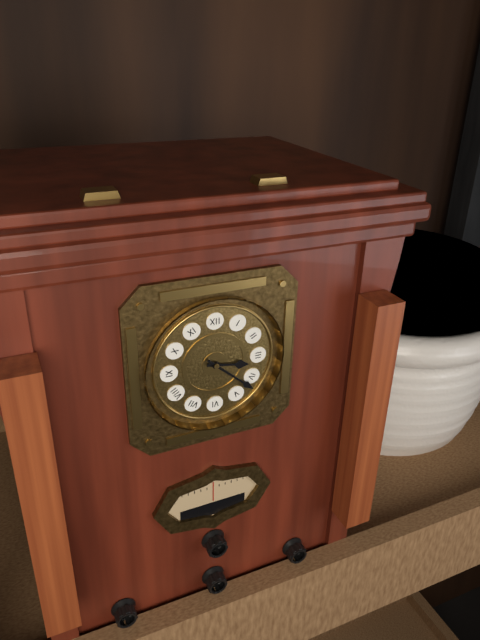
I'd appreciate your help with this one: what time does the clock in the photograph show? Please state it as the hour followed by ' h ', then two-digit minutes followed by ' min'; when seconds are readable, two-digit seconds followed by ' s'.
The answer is 3 h 22 min
